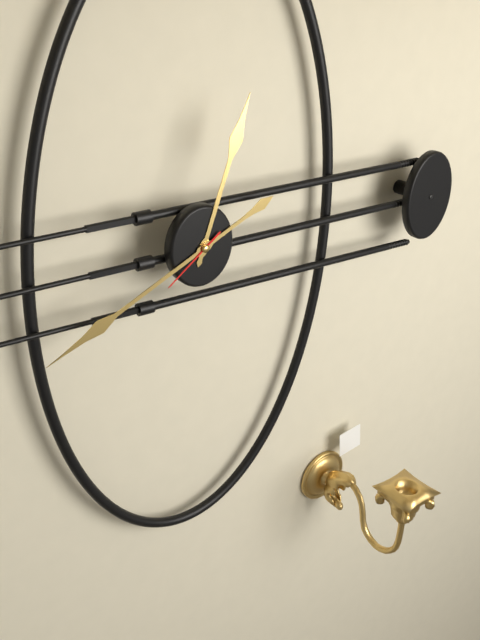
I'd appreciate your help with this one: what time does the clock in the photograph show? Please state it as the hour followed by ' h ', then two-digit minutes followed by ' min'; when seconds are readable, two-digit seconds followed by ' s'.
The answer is 12 h 41 min 39 s
